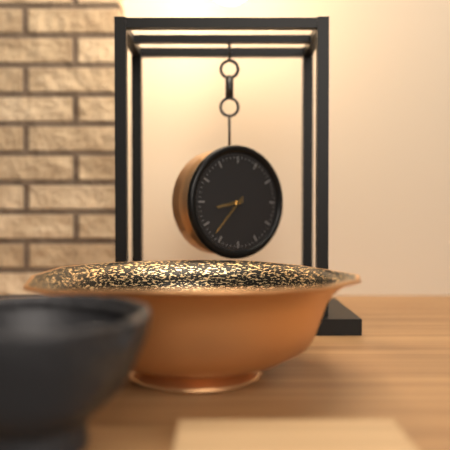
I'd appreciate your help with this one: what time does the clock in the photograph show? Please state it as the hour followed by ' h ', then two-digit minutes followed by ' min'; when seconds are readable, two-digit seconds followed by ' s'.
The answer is 8 h 37 min
